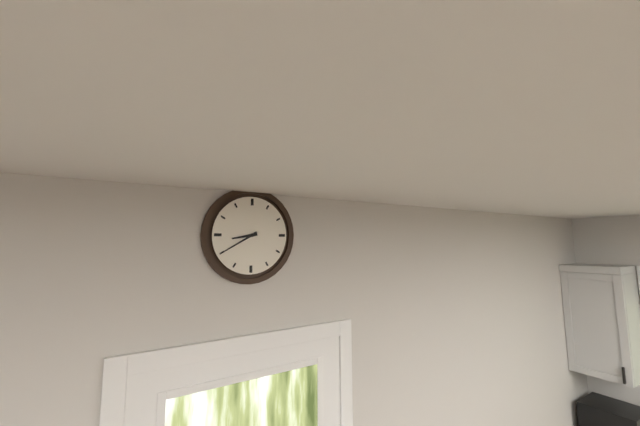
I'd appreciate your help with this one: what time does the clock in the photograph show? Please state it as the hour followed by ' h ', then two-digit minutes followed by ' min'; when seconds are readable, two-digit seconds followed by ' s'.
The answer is 8 h 40 min
